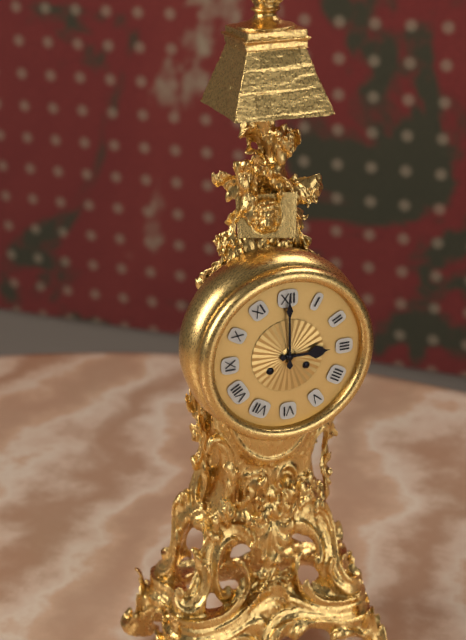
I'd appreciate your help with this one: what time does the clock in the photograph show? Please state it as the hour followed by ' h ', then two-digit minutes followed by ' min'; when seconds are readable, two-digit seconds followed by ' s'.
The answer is 3 h 00 min
